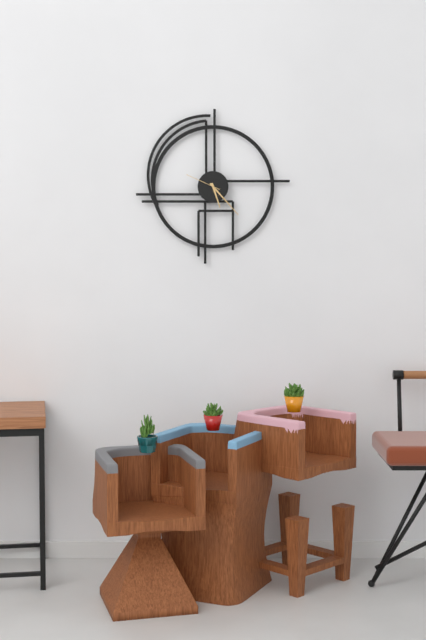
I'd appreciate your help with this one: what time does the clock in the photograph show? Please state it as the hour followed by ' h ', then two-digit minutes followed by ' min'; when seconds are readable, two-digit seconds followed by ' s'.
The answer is 5 h 23 min
